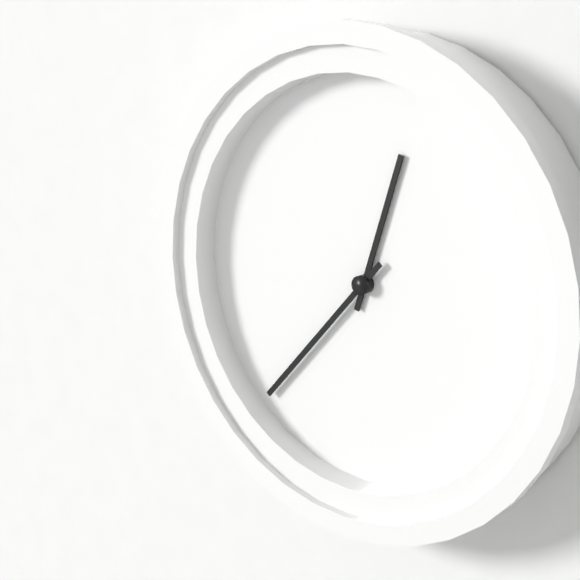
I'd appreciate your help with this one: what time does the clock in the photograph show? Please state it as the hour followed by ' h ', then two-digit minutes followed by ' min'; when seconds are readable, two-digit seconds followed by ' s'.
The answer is 12 h 37 min
